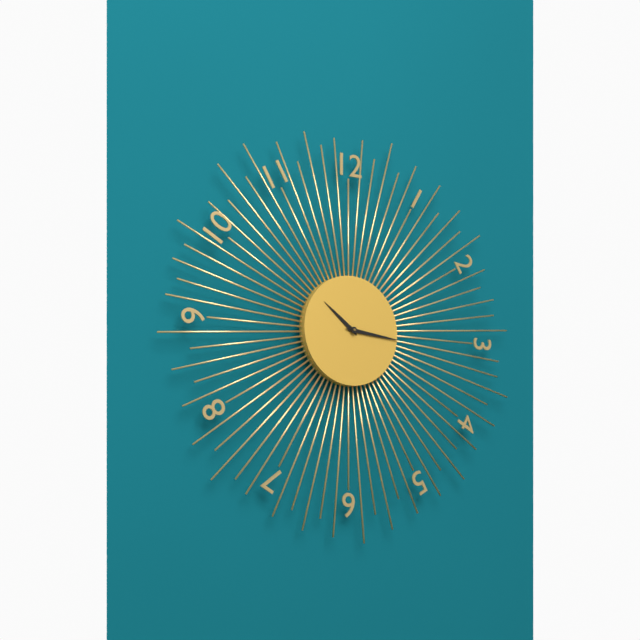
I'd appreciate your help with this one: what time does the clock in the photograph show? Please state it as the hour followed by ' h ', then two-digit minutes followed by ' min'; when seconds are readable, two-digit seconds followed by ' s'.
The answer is 10 h 16 min
